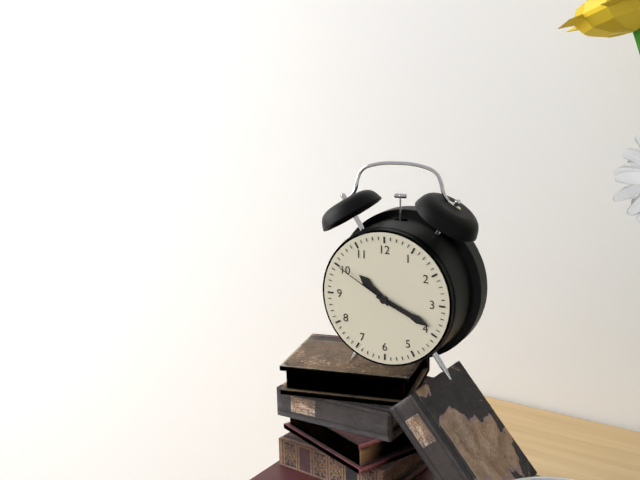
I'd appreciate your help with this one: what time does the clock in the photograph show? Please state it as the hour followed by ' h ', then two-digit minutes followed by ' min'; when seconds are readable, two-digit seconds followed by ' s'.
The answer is 10 h 19 min 50 s
